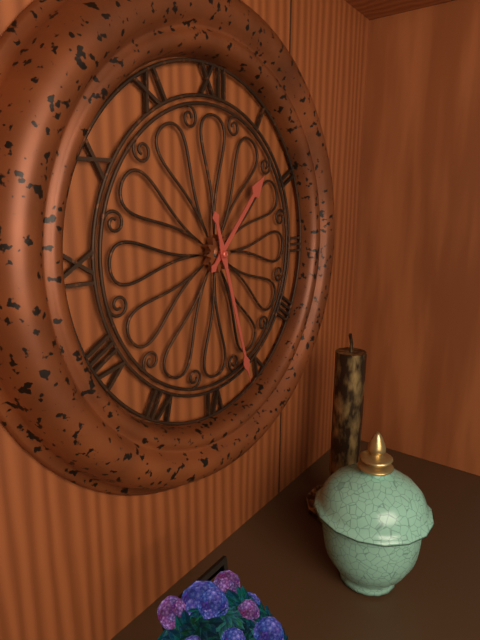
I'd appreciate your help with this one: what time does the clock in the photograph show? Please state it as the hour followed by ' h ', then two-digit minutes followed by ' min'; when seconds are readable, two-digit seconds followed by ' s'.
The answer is 1 h 27 min
